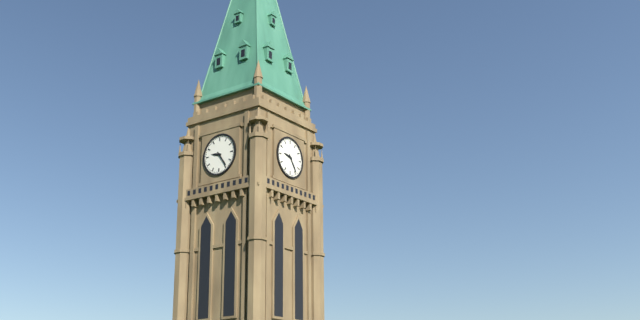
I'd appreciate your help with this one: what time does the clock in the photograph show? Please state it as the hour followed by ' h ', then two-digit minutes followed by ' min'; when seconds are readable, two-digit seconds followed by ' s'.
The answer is 9 h 24 min
